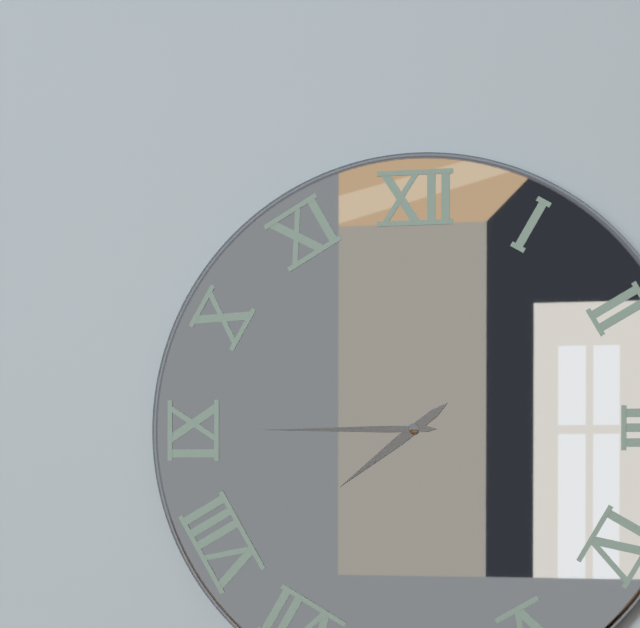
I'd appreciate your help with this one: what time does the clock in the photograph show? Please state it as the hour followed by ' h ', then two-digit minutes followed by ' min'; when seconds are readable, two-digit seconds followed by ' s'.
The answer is 7 h 45 min
